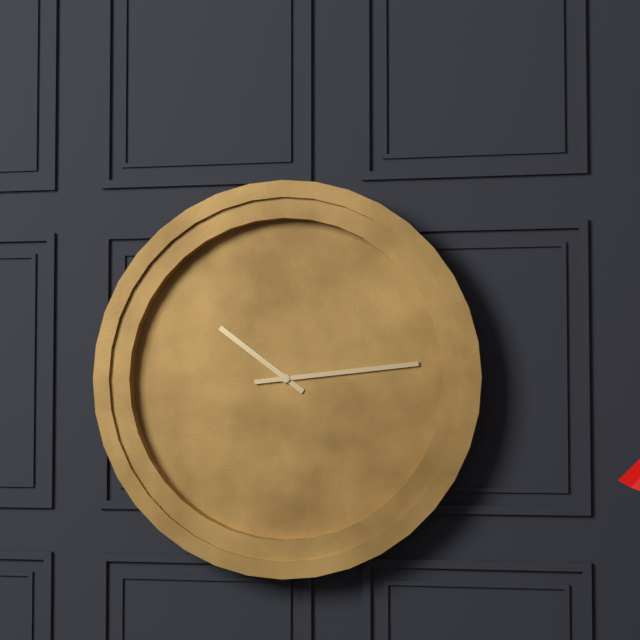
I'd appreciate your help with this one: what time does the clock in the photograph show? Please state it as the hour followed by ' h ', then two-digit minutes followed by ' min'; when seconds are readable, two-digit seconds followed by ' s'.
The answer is 10 h 14 min
